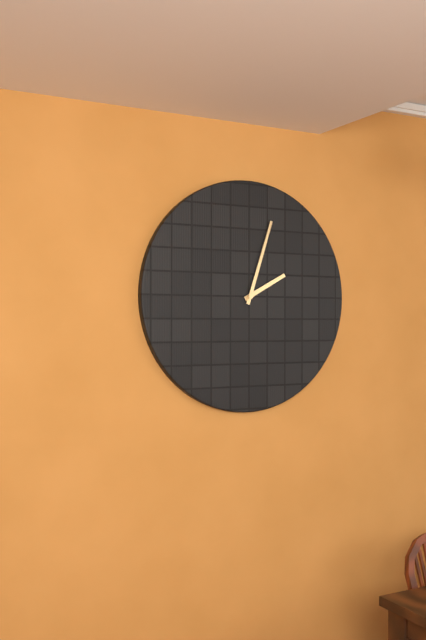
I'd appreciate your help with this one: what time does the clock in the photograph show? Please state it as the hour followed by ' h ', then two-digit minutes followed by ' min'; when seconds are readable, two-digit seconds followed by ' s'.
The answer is 2 h 03 min
